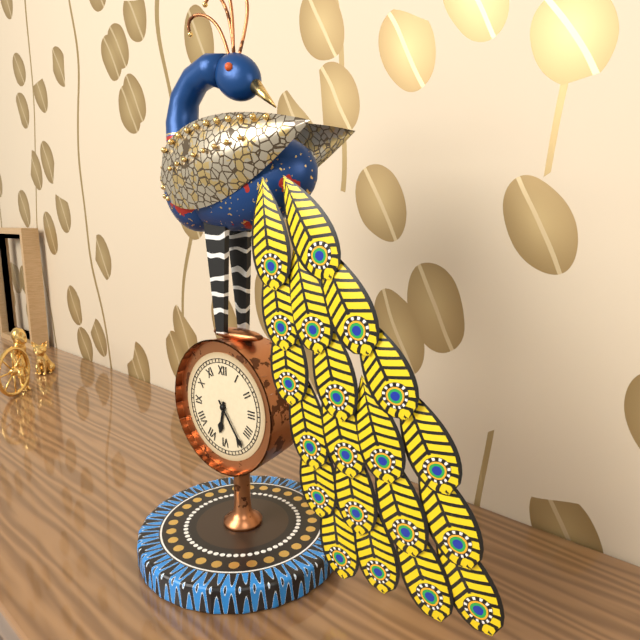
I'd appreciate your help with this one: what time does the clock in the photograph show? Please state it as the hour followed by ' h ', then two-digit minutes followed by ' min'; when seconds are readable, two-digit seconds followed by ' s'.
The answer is 6 h 24 min
